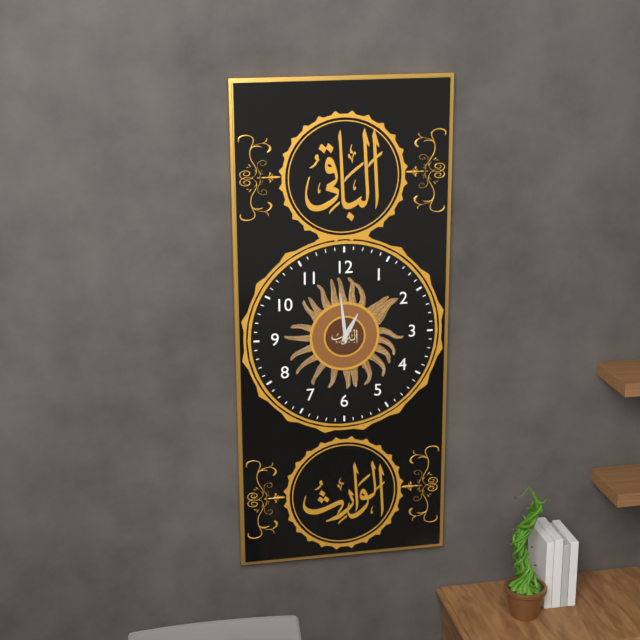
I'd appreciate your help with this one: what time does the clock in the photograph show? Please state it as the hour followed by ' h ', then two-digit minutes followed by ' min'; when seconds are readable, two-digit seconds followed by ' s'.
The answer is 12 h 59 min
